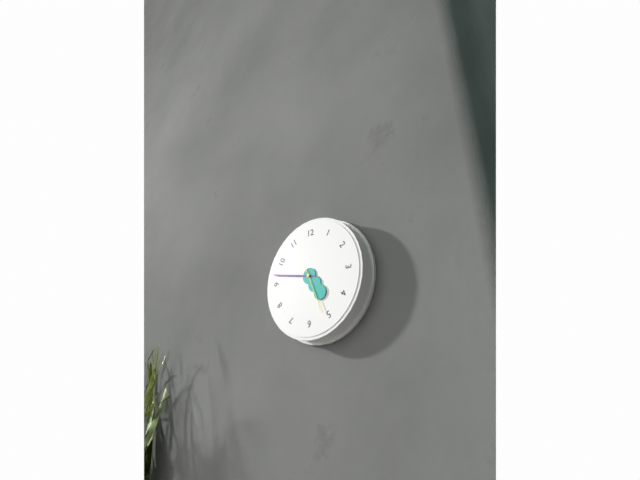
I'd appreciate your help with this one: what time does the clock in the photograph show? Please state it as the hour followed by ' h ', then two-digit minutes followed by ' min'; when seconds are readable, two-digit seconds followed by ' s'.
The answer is 4 h 47 min
